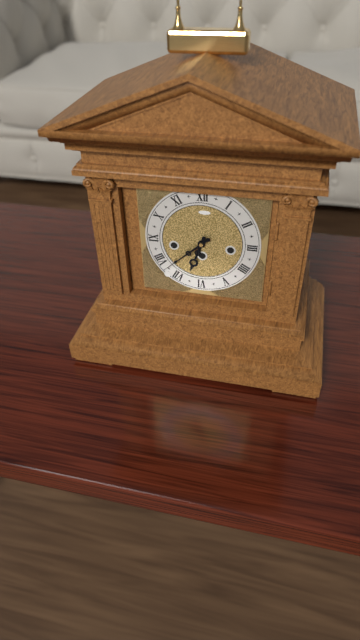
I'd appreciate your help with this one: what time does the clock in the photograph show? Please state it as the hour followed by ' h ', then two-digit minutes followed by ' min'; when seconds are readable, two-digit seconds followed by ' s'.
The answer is 6 h 38 min
